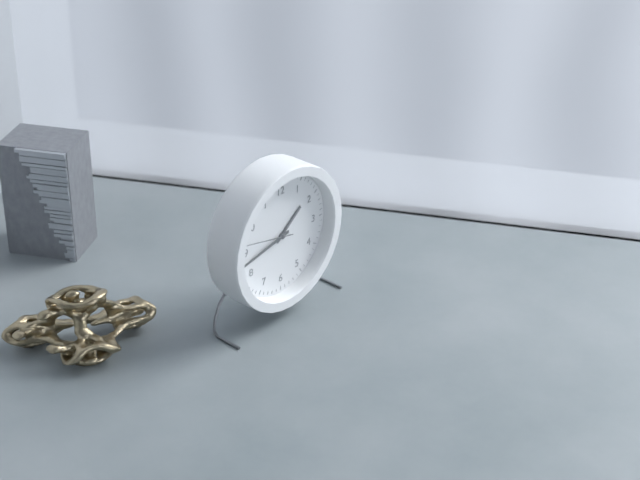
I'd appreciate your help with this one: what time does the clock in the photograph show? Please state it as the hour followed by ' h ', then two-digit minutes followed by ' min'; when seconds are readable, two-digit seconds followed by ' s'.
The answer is 1 h 43 min 47 s
